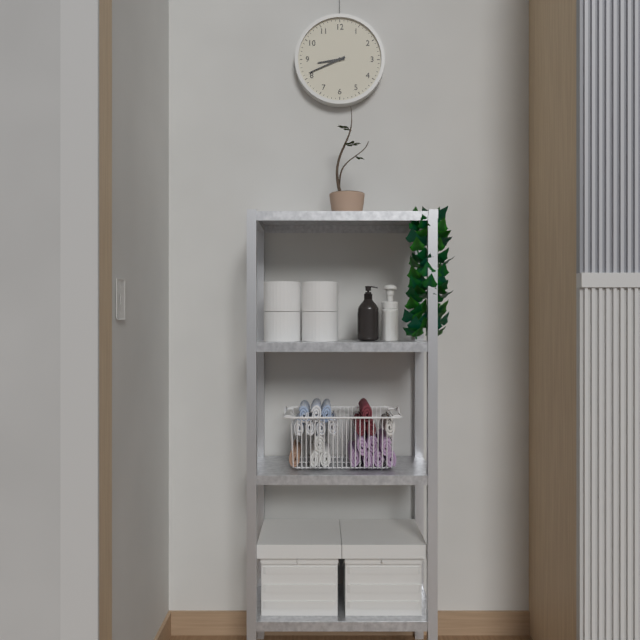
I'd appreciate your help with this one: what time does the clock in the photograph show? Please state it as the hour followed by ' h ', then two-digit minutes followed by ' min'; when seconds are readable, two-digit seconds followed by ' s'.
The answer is 8 h 41 min
